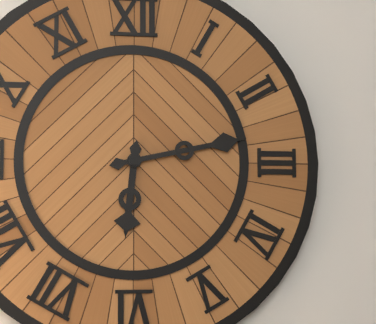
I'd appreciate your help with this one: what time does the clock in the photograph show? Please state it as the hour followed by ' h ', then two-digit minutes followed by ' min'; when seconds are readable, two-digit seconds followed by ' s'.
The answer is 6 h 13 min
